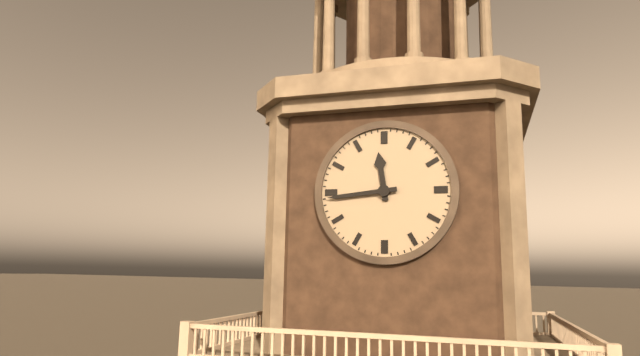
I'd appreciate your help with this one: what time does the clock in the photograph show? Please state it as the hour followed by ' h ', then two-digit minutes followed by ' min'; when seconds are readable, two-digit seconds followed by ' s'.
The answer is 11 h 44 min
